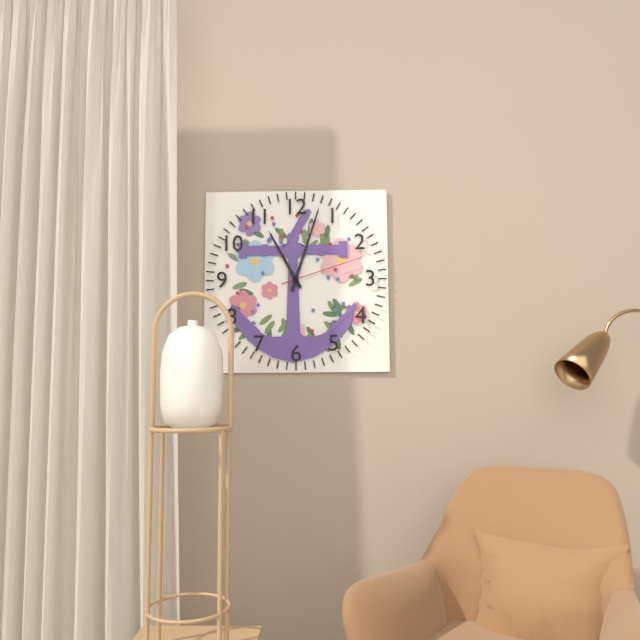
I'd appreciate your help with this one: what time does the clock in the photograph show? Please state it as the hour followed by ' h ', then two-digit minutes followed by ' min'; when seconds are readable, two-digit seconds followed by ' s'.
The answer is 11 h 03 min 12 s
